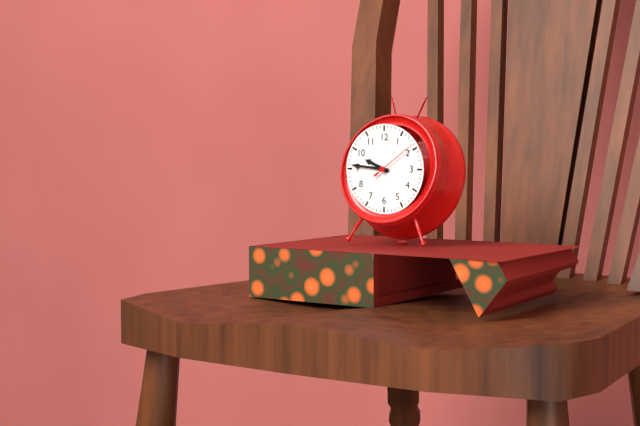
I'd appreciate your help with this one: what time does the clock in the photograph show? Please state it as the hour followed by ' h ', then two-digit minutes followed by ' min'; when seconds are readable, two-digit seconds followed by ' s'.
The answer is 9 h 46 min
